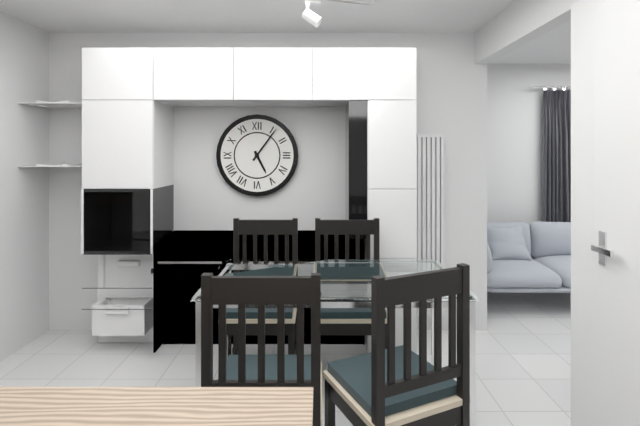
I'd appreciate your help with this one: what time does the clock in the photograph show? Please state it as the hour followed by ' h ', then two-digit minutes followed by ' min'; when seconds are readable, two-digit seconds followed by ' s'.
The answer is 5 h 06 min
